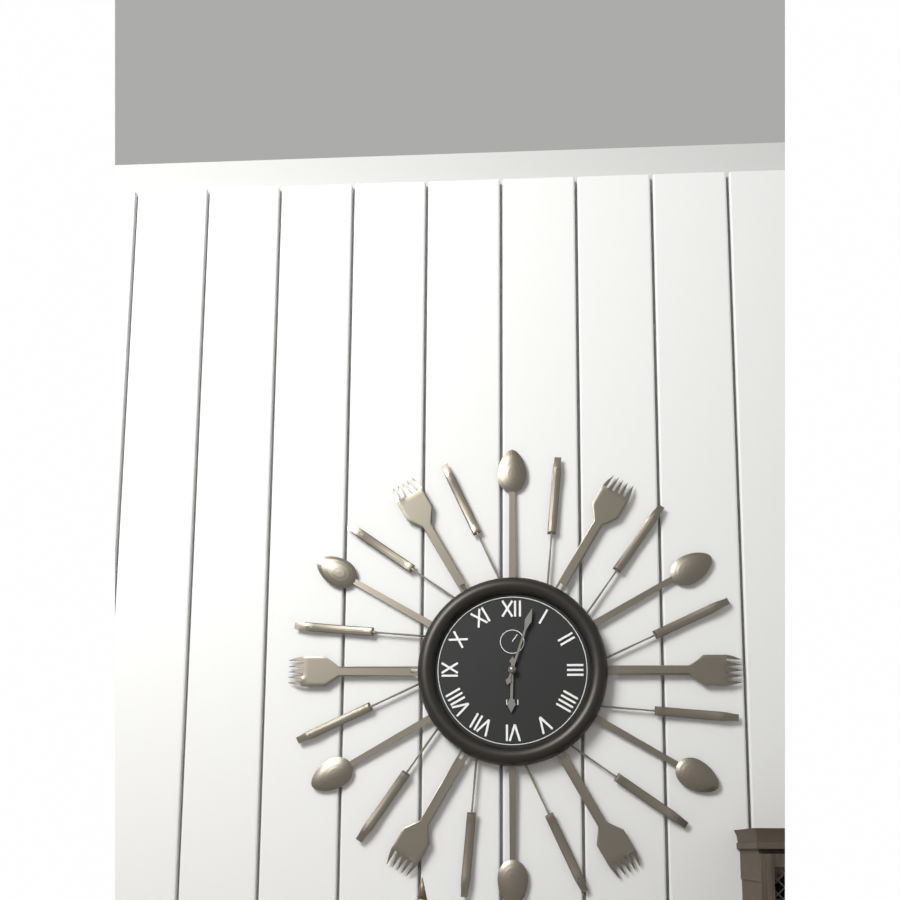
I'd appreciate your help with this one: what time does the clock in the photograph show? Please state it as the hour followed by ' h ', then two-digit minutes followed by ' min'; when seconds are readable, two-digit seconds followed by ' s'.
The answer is 6 h 03 min
